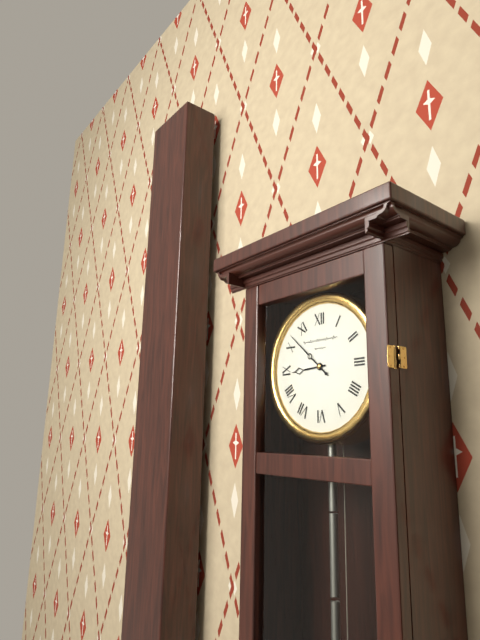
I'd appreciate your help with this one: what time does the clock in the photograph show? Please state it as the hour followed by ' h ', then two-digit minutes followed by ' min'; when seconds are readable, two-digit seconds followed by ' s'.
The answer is 8 h 52 min
